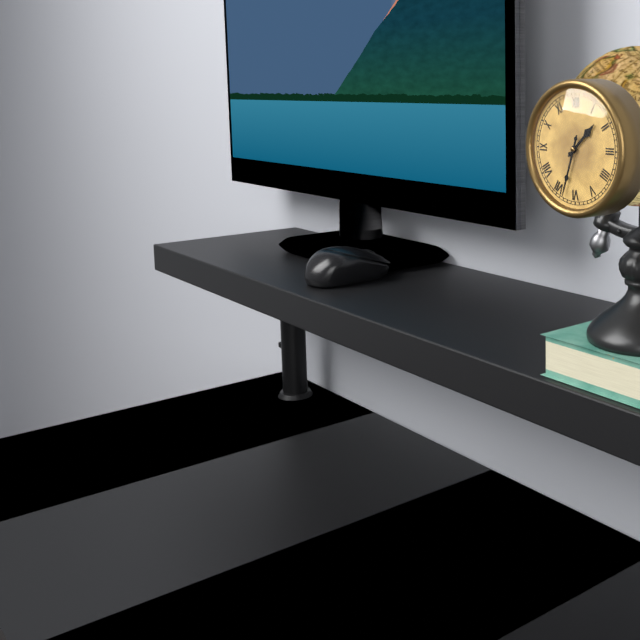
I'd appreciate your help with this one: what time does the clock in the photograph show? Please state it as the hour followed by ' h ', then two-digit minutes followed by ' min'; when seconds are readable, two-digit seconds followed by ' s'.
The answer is 1 h 33 min
